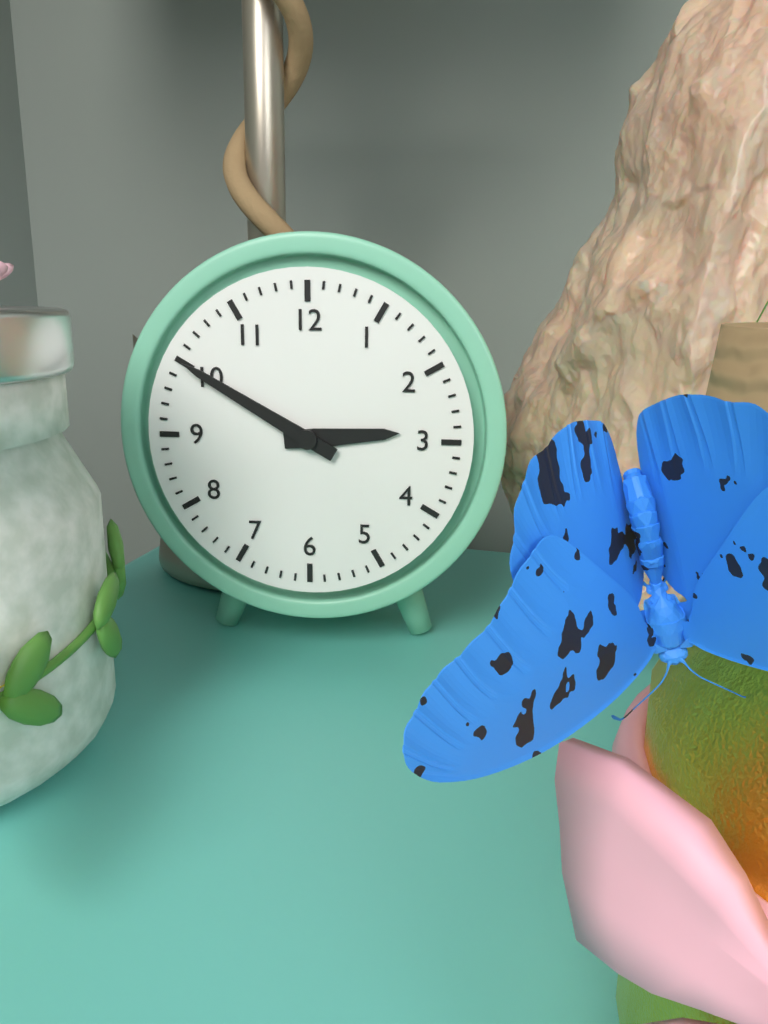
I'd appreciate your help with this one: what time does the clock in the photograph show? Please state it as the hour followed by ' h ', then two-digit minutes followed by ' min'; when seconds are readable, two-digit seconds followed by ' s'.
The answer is 2 h 50 min
